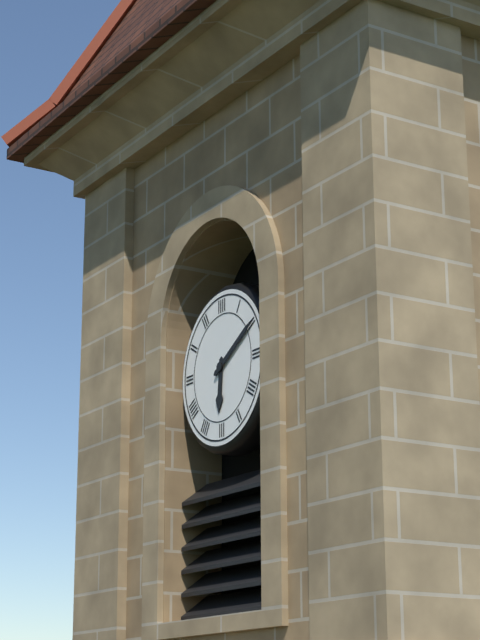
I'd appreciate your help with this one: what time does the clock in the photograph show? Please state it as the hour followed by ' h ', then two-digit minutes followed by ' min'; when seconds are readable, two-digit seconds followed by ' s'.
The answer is 6 h 10 min
